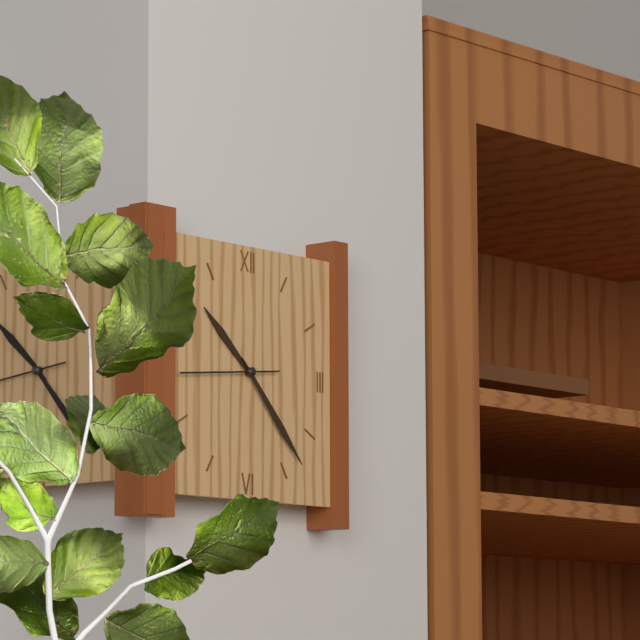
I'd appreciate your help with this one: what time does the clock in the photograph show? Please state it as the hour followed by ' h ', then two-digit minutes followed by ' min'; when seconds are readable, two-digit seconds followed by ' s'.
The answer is 10 h 23 min 44 s
